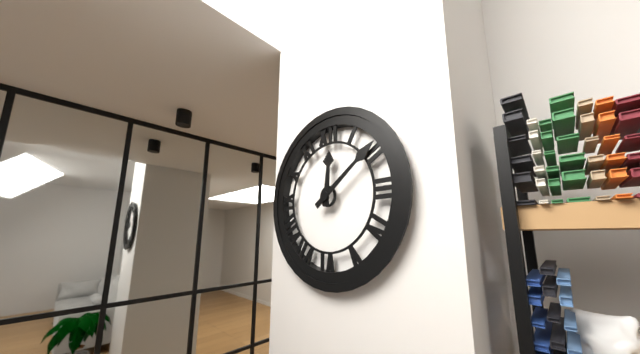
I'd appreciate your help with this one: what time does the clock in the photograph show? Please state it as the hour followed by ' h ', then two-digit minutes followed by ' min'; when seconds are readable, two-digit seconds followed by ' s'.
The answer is 12 h 09 min
